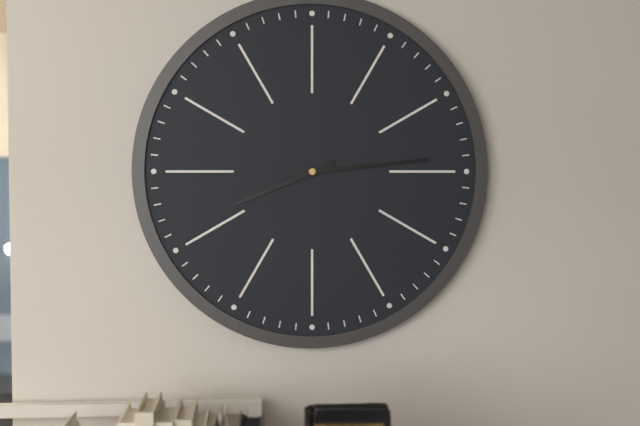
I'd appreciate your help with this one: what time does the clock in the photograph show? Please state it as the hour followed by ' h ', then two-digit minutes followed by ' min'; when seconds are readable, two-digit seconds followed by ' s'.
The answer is 8 h 14 min
